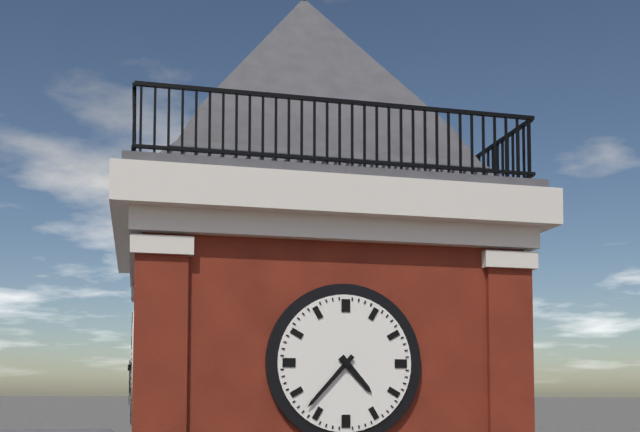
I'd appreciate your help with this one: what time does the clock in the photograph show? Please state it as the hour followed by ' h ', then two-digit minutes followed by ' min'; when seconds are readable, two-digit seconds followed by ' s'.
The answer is 4 h 37 min
